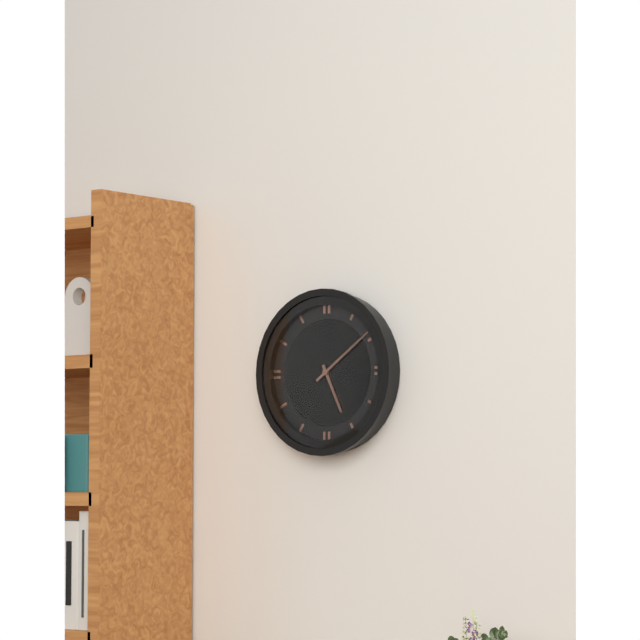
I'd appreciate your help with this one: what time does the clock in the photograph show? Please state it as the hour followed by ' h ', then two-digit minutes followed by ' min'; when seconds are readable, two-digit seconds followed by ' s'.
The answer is 5 h 09 min
